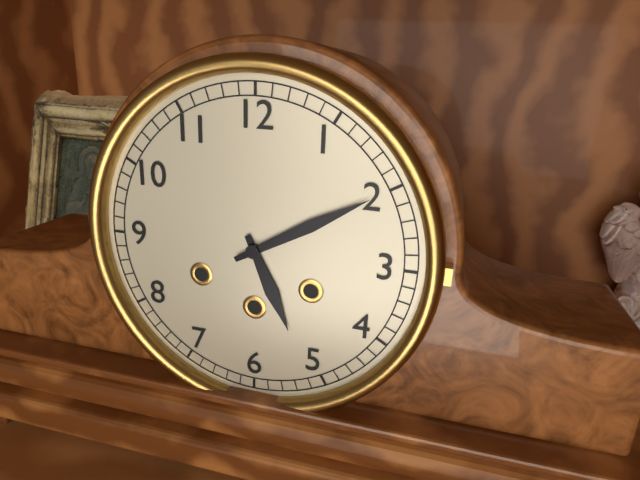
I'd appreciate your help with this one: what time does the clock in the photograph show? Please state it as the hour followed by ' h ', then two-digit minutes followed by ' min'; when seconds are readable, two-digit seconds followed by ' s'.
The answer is 5 h 10 min
